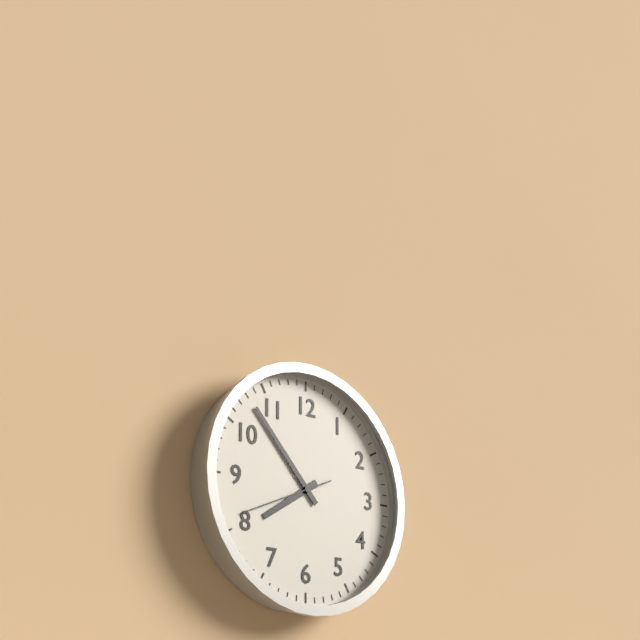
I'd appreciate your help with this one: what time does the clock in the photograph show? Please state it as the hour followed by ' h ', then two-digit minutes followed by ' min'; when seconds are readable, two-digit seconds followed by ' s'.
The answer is 7 h 53 min 41 s
